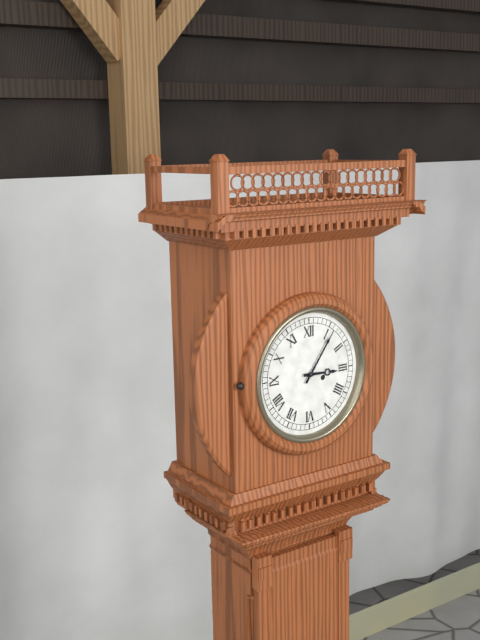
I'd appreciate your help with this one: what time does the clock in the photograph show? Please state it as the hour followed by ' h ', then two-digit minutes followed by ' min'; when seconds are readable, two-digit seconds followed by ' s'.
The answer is 3 h 06 min
